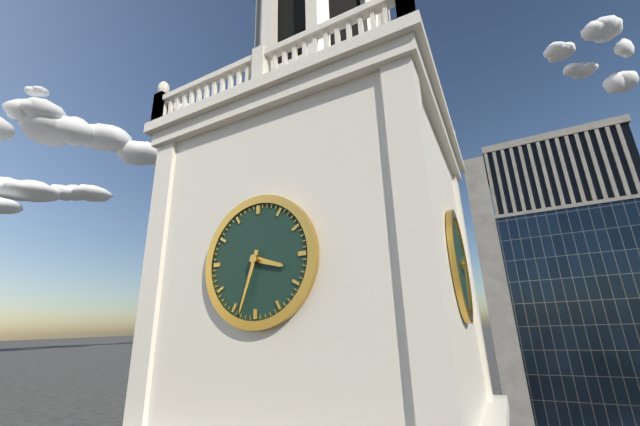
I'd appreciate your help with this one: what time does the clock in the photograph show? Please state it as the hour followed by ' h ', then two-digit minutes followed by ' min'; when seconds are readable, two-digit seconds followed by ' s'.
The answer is 3 h 33 min
